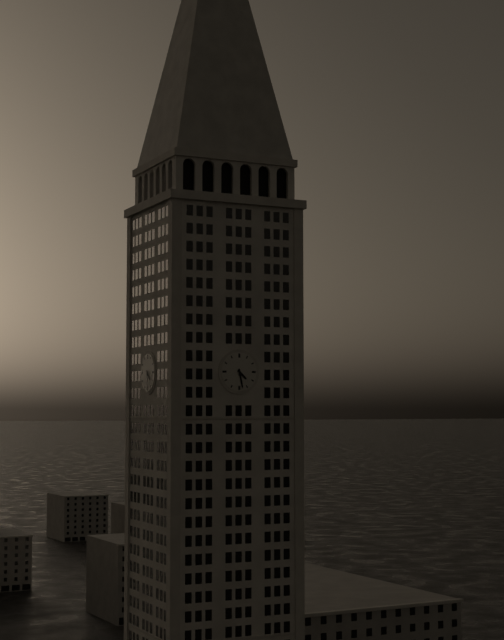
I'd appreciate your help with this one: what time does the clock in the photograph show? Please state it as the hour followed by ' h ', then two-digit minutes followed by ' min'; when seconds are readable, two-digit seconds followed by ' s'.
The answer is 4 h 28 min
